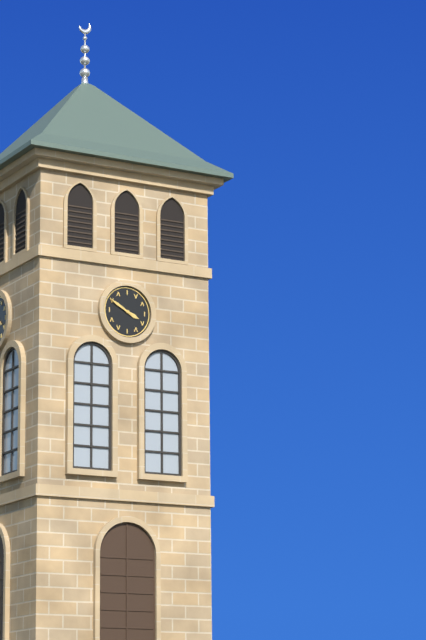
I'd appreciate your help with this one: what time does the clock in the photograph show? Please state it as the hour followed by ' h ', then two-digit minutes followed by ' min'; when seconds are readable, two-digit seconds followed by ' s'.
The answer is 3 h 50 min
